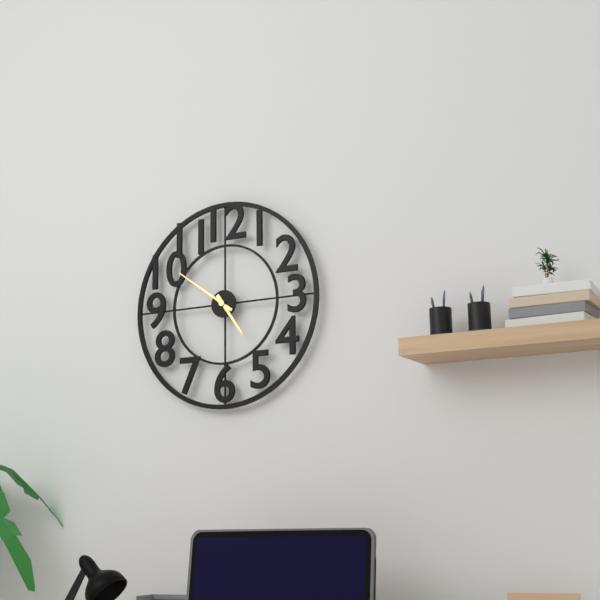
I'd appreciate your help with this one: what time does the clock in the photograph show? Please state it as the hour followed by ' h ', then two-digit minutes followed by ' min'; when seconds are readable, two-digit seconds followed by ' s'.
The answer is 4 h 51 min
